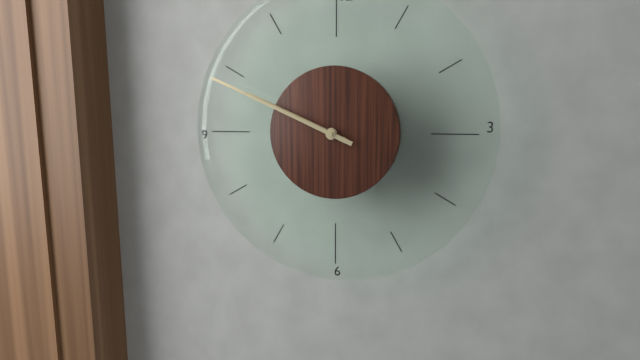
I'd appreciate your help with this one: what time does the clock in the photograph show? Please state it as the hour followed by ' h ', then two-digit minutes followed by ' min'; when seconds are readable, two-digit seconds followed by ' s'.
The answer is 9 h 49 min
